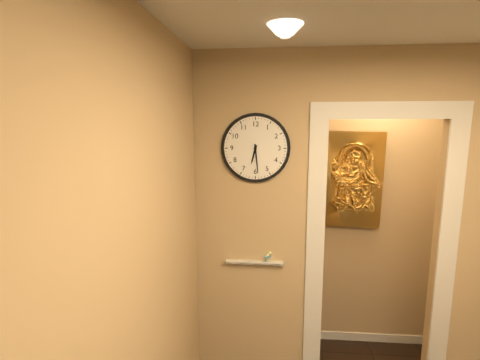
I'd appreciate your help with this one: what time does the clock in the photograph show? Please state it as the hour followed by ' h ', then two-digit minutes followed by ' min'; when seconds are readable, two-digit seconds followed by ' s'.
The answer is 6 h 29 min
